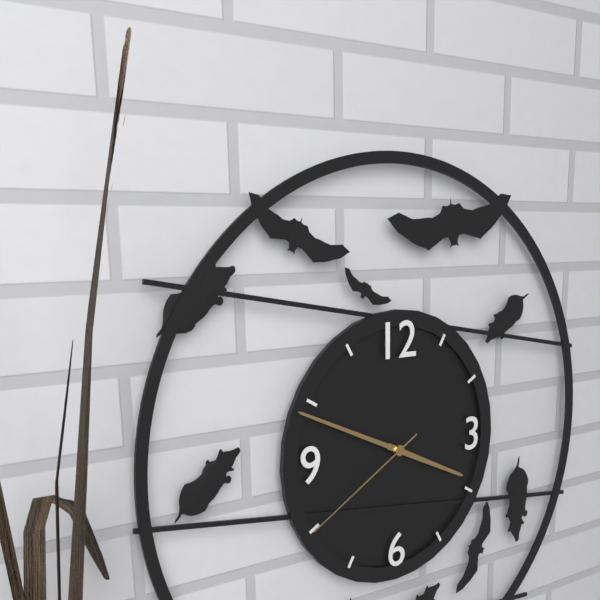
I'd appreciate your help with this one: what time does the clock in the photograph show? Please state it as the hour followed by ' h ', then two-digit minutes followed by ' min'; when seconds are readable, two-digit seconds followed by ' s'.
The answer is 3 h 49 min 40 s
